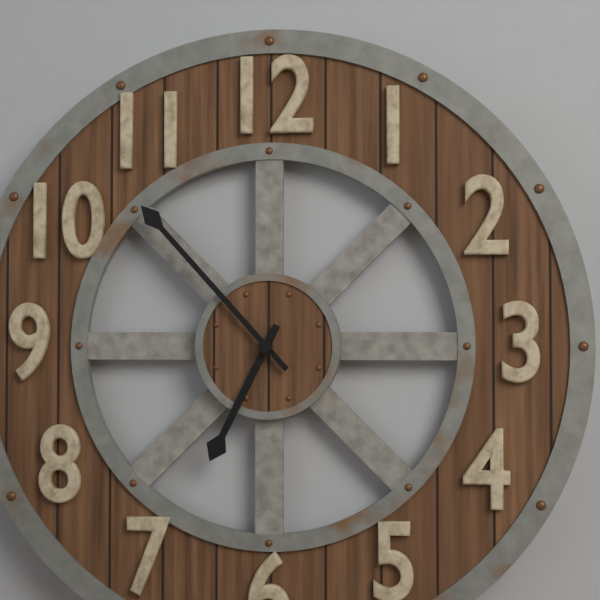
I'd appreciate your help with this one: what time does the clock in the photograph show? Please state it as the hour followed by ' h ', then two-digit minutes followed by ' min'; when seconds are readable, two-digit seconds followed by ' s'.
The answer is 6 h 53 min
